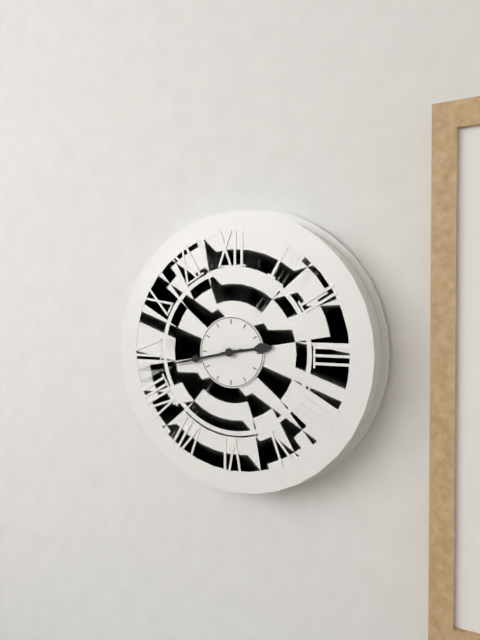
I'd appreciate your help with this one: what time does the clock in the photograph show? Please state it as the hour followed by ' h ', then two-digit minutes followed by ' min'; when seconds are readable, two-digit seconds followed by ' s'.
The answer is 2 h 43 min
